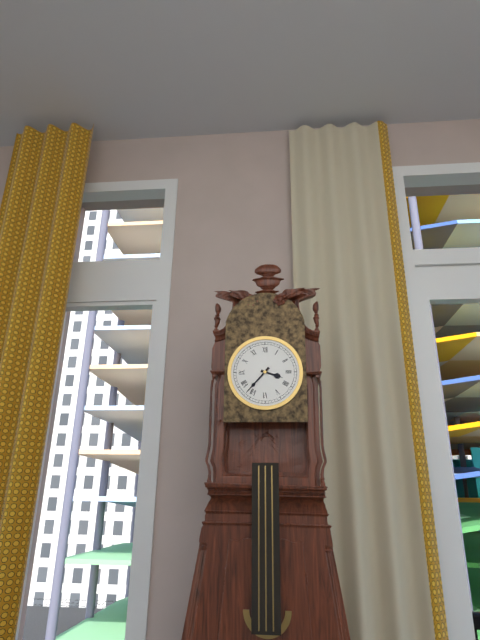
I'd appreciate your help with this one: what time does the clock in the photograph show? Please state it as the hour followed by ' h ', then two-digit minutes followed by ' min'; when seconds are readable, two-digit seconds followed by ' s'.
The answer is 3 h 37 min
